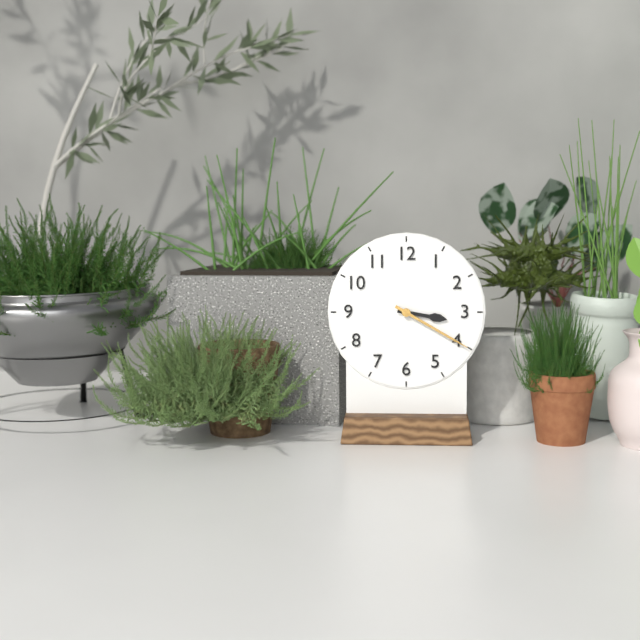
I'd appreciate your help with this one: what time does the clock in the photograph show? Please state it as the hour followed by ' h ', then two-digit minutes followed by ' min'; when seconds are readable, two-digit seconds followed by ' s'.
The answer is 3 h 20 min
